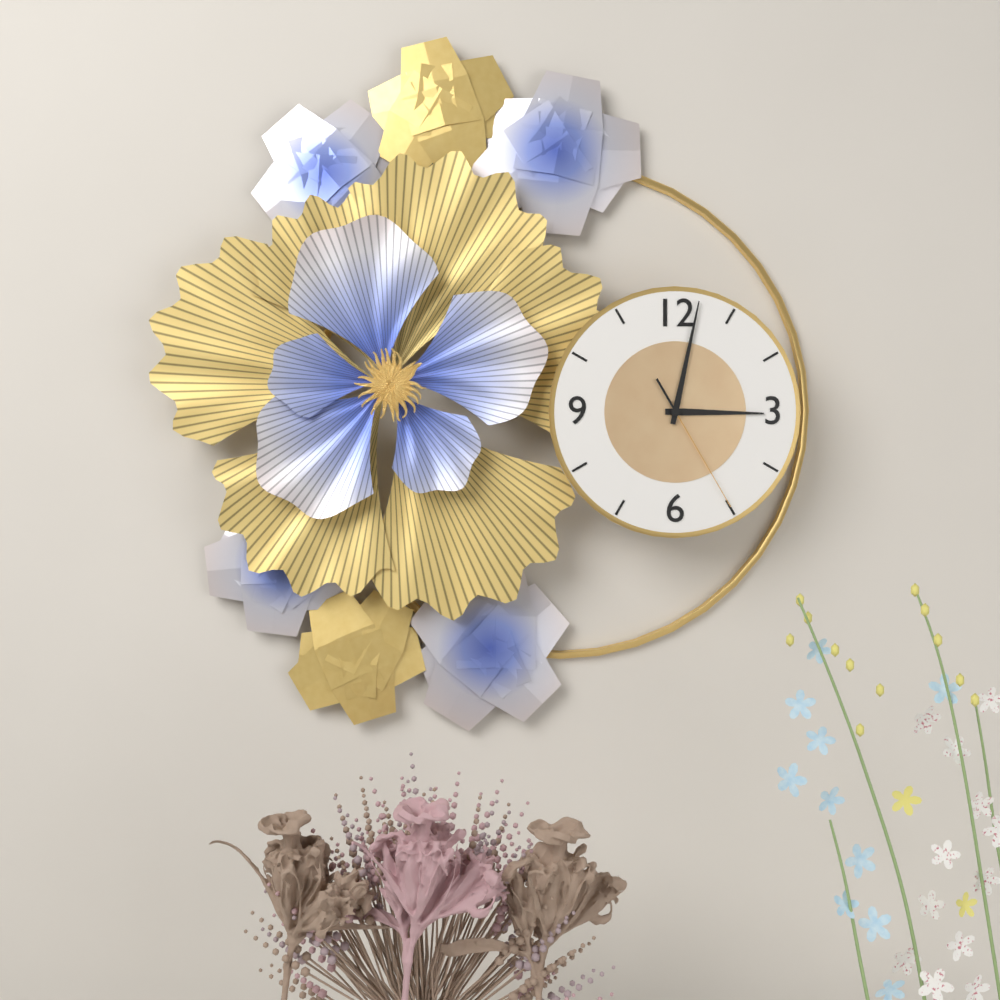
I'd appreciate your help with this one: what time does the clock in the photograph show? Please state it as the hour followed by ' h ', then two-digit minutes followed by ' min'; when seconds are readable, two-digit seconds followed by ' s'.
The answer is 3 h 02 min 25 s
